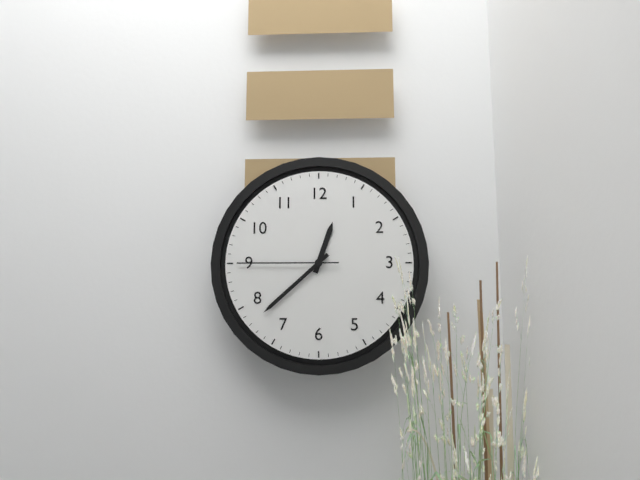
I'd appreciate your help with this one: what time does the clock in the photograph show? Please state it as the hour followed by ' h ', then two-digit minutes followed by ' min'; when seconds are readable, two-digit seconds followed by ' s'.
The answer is 12 h 38 min 45 s
